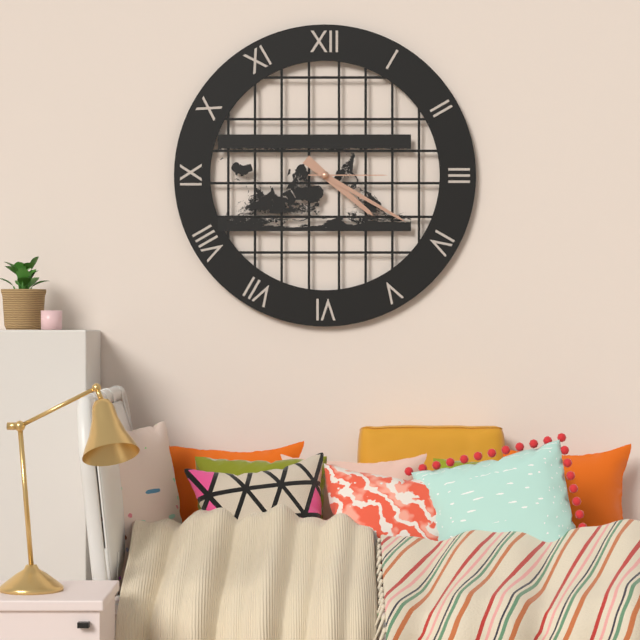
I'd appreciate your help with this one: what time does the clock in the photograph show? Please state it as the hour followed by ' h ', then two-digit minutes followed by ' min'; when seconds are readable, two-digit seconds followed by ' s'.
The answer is 4 h 20 min 15 s
